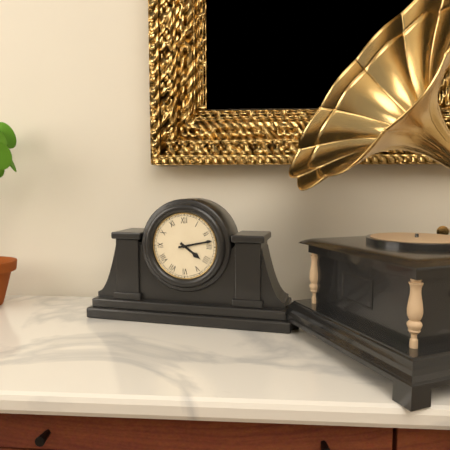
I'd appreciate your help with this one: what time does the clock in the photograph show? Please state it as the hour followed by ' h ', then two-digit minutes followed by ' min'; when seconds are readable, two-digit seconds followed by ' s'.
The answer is 4 h 13 min
